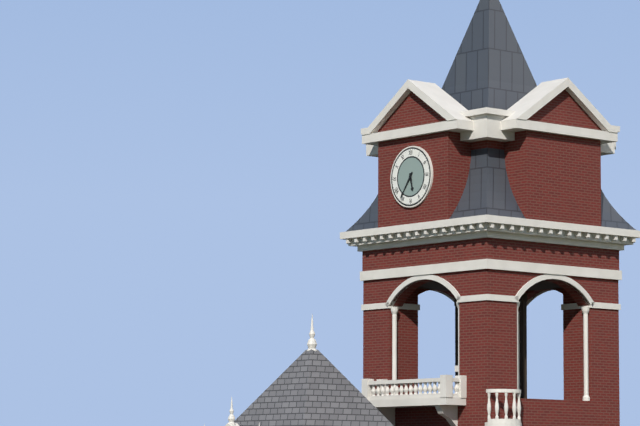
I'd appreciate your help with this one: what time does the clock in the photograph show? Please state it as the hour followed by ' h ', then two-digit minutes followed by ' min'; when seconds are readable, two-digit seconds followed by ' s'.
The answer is 5 h 36 min
